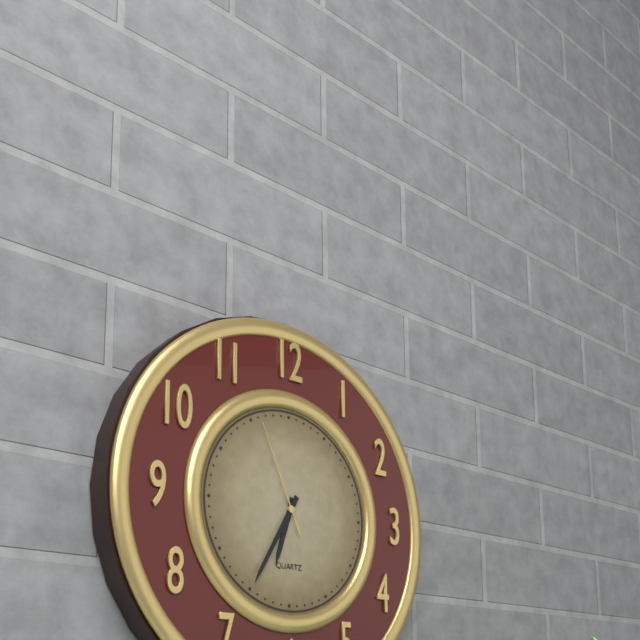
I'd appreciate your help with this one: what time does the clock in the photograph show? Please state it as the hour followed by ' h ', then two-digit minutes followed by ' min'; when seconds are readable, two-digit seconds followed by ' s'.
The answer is 6 h 35 min 56 s
